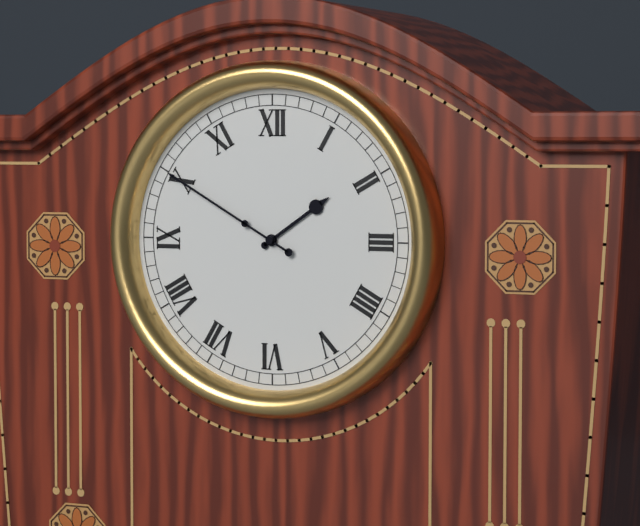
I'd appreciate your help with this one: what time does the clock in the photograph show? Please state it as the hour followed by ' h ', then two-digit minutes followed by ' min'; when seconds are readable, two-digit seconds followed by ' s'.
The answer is 1 h 50 min
